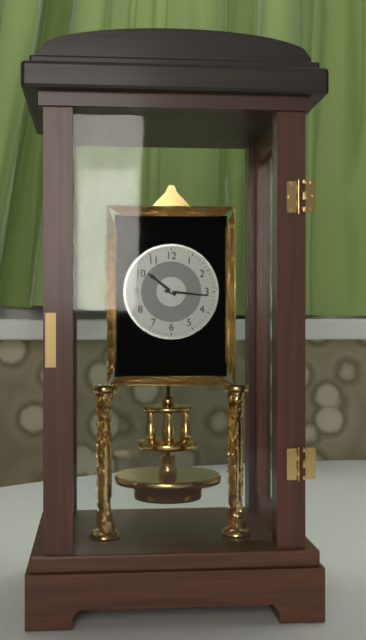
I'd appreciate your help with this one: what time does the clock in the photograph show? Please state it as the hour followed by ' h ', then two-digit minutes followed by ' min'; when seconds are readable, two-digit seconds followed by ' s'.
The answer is 10 h 16 min
